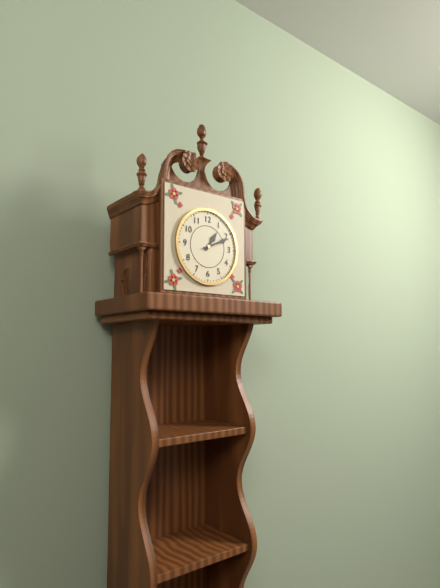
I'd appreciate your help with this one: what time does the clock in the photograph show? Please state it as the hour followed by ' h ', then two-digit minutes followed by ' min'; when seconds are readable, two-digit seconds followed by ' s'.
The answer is 1 h 11 min
